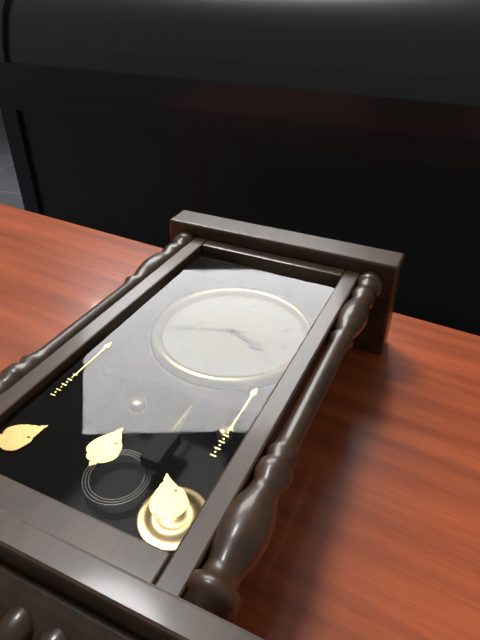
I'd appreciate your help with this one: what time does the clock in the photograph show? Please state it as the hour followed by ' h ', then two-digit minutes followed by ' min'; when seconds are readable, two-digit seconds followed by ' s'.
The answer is 3 h 42 min
